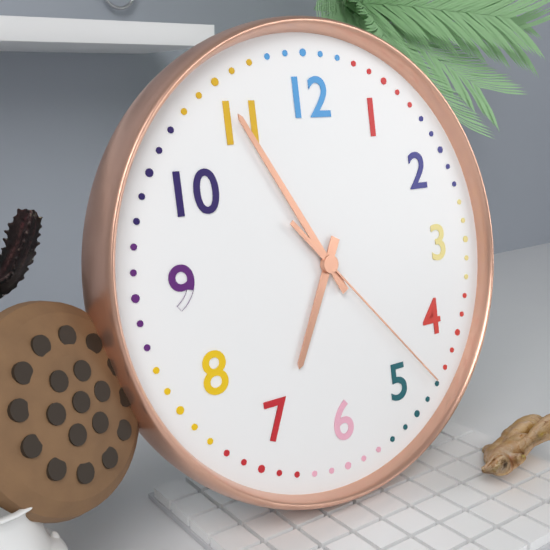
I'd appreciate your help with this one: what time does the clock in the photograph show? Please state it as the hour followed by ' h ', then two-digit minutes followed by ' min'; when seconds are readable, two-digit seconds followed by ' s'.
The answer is 6 h 55 min 23 s
